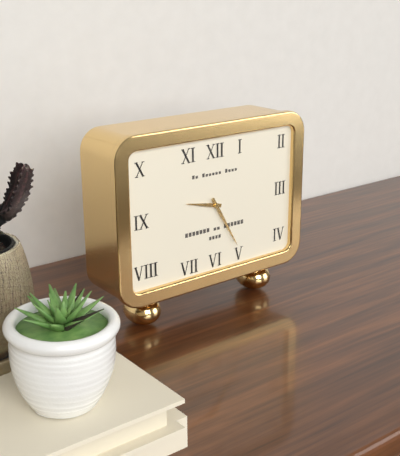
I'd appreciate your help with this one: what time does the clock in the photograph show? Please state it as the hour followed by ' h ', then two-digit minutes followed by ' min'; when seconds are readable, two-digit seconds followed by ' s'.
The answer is 9 h 25 min
